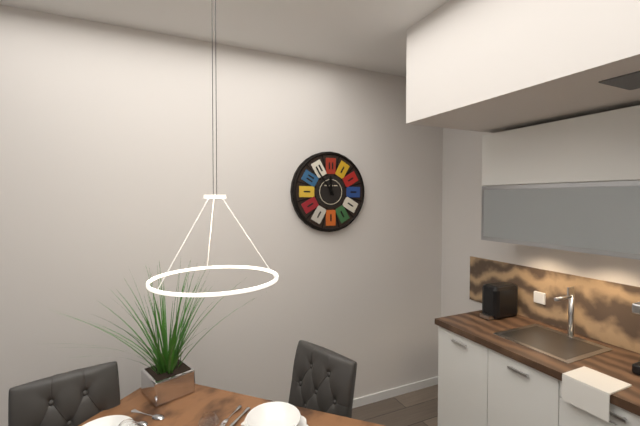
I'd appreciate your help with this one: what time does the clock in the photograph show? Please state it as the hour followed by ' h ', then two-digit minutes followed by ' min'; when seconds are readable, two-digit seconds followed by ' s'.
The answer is 11 h 54 min
